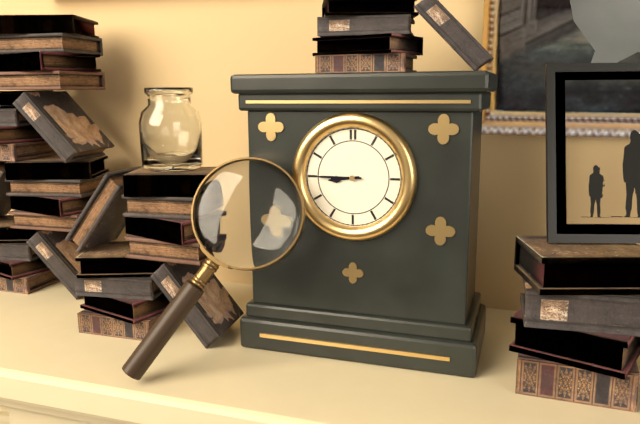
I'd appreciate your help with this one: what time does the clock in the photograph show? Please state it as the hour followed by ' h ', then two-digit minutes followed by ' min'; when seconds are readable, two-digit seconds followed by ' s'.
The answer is 8 h 45 min
